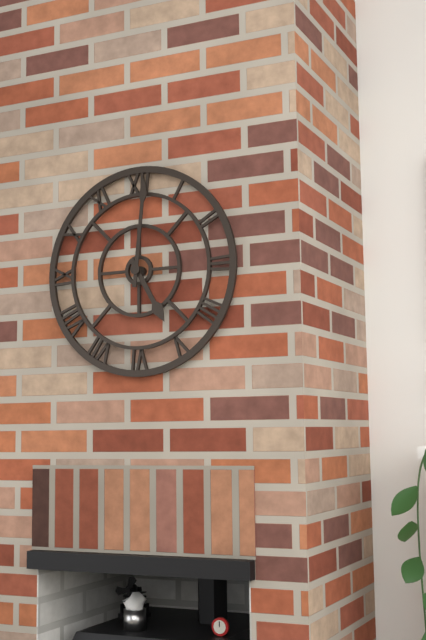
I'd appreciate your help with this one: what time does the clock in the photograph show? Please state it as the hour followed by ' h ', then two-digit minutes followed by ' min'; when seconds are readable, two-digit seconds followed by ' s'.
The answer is 5 h 01 min
